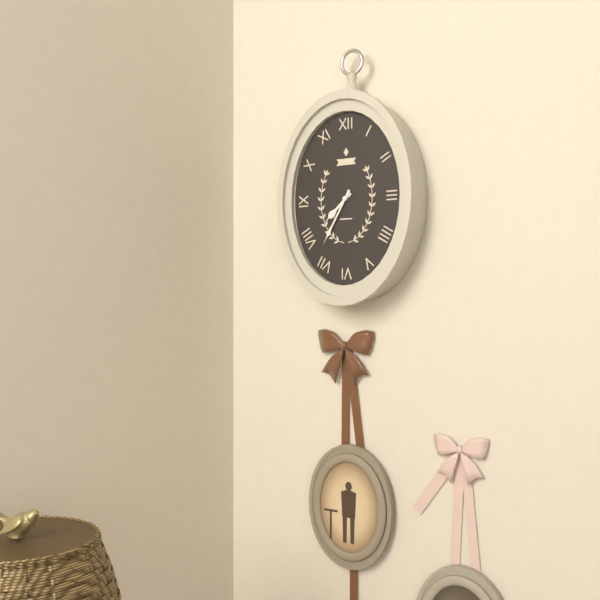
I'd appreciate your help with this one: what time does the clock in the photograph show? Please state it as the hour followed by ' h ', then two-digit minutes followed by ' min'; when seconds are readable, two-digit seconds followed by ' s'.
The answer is 7 h 35 min
